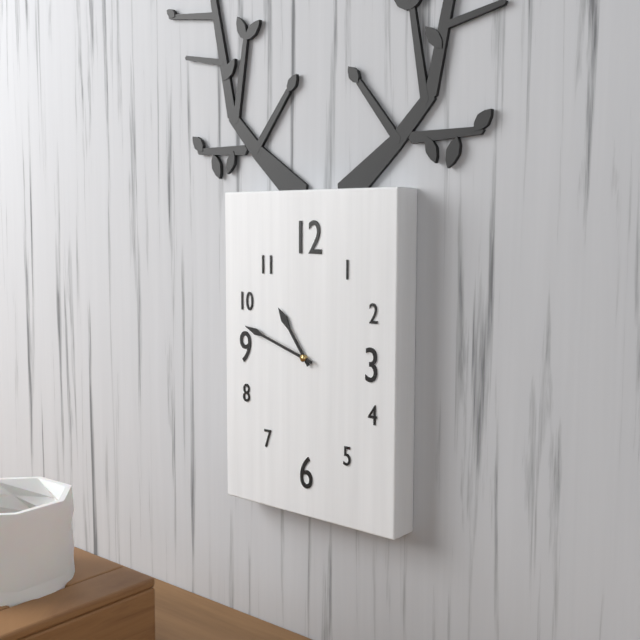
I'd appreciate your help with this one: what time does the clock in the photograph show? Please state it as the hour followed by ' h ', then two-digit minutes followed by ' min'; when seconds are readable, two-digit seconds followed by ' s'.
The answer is 10 h 48 min
